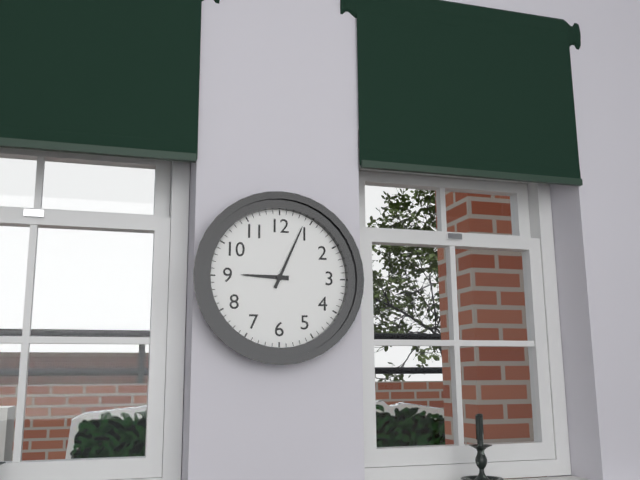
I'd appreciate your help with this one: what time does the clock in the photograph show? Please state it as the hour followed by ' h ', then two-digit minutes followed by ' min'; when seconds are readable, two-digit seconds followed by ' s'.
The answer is 9 h 04 min
